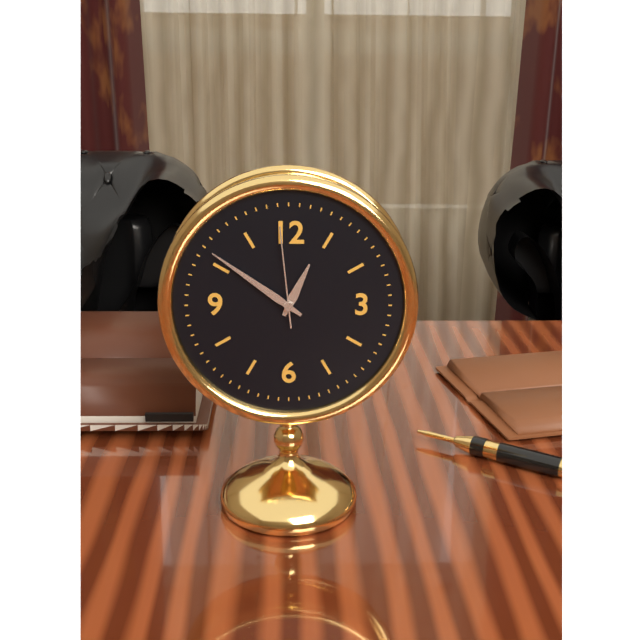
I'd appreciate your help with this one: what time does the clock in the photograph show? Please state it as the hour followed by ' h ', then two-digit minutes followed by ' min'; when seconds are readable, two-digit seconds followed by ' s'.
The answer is 12 h 51 min 59 s
